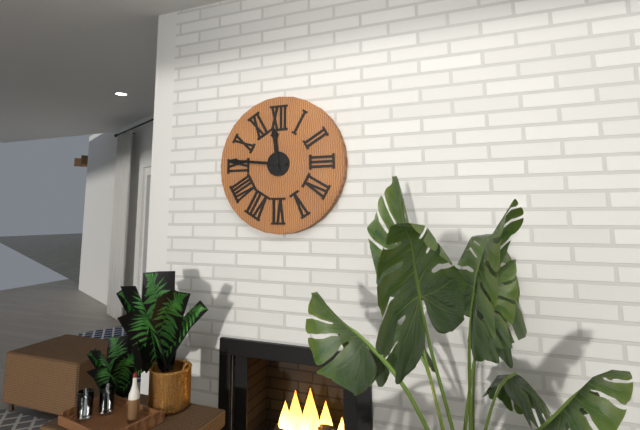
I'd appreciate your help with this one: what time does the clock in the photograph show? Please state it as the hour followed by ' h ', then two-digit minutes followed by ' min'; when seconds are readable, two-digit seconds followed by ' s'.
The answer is 11 h 46 min
